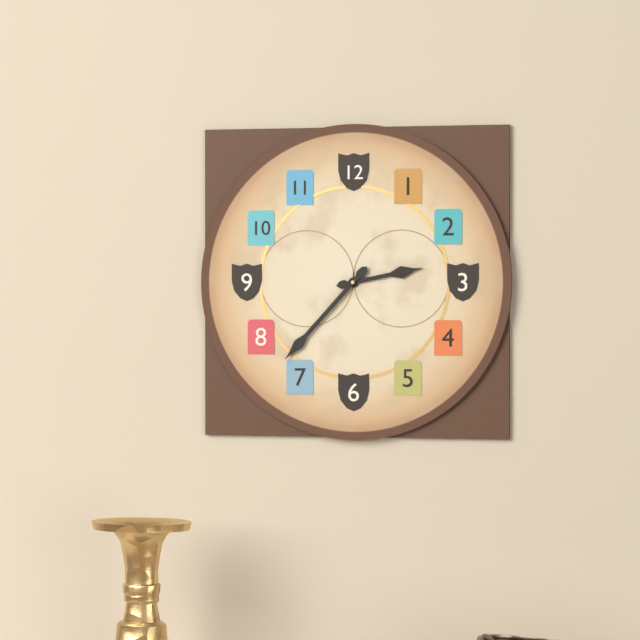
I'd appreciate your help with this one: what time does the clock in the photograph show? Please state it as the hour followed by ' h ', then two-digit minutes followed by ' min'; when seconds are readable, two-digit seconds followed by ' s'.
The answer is 2 h 37 min
